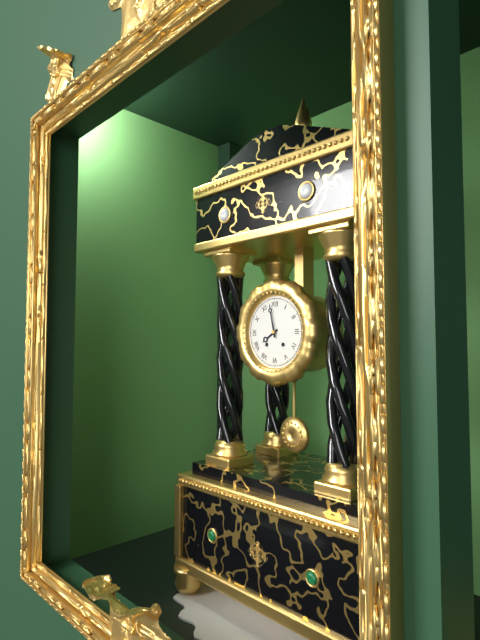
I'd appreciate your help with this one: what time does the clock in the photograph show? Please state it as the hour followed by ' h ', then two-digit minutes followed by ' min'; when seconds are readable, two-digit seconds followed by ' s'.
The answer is 7 h 58 min
